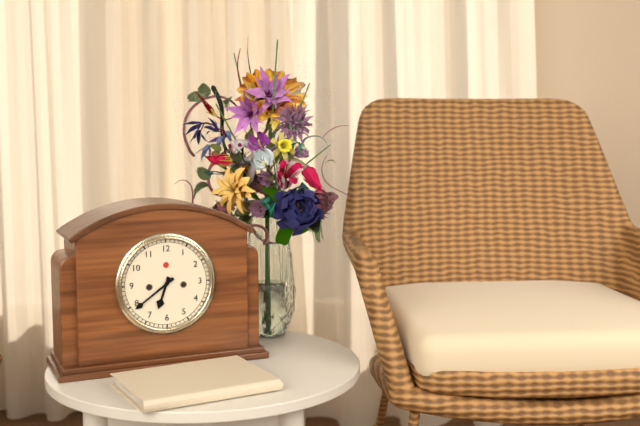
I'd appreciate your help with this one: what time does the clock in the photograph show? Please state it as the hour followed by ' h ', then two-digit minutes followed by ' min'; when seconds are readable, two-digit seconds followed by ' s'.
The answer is 6 h 39 min
